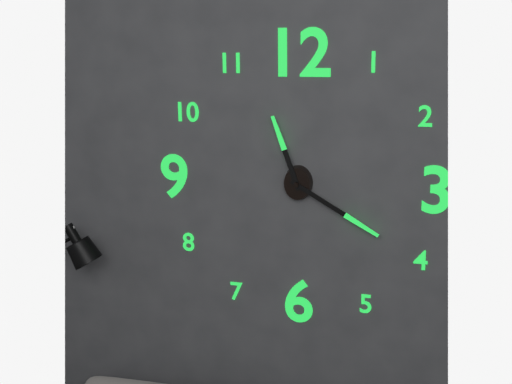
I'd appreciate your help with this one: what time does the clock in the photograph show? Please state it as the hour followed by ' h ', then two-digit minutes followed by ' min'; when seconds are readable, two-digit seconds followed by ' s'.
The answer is 11 h 20 min
